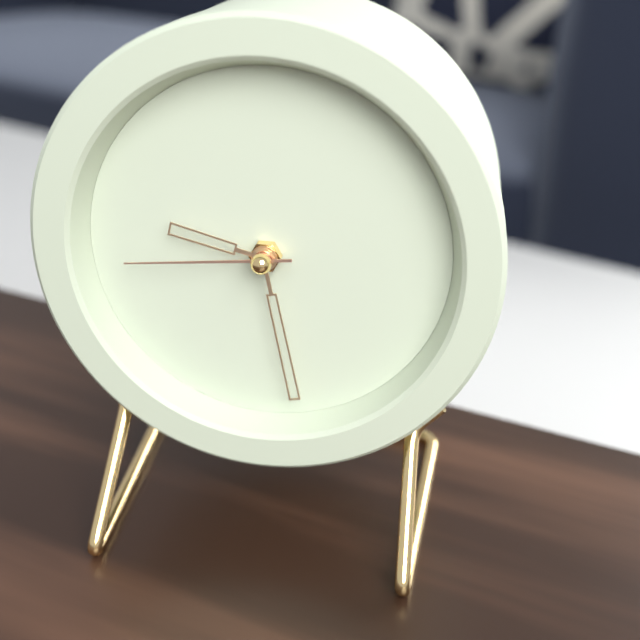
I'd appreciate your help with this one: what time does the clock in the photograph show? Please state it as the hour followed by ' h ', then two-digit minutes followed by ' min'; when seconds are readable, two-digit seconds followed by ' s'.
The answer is 9 h 28 min 44 s
